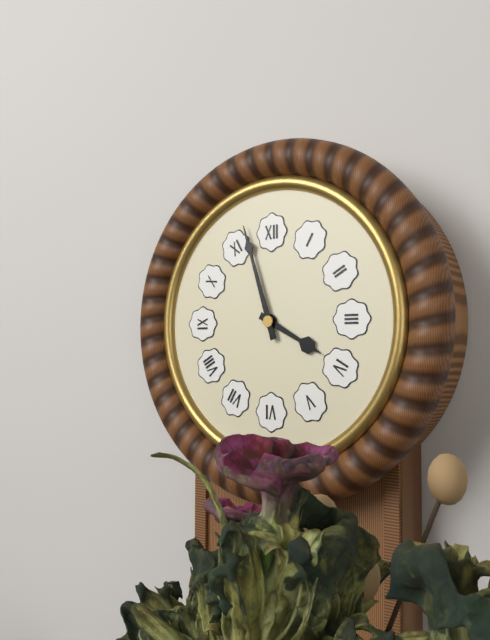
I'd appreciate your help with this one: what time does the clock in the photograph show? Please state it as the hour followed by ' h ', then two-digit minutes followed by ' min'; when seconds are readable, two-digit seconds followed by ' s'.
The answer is 3 h 57 min
